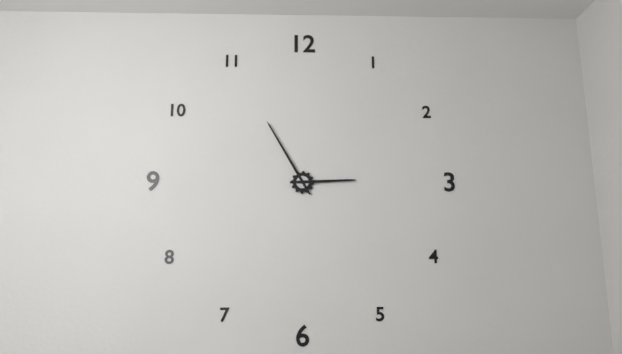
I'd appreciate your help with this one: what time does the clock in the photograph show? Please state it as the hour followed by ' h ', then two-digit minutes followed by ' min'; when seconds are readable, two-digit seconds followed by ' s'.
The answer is 2 h 55 min
